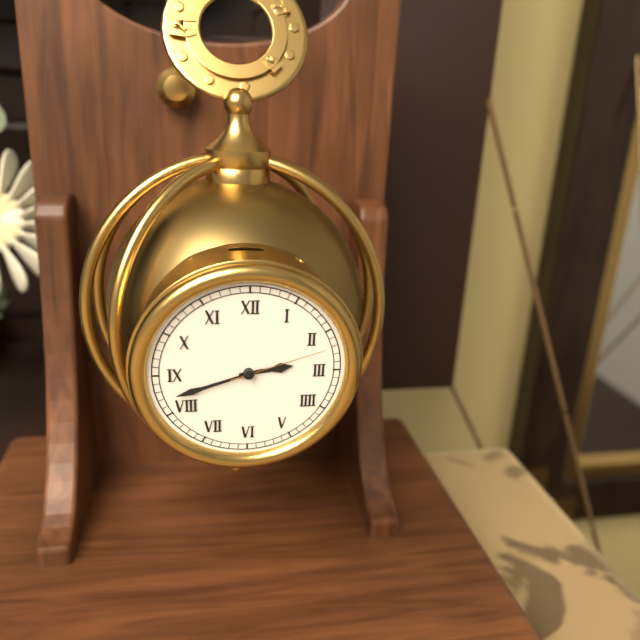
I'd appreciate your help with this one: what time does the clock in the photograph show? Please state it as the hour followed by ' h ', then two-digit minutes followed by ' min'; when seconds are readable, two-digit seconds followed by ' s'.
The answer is 2 h 42 min 12 s
